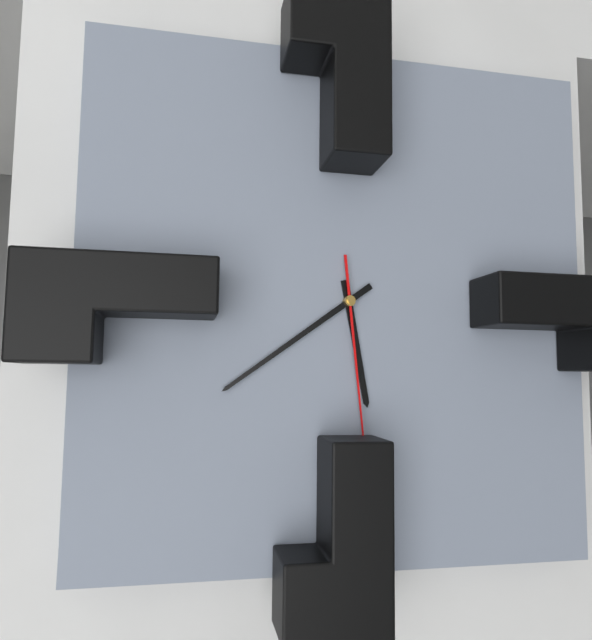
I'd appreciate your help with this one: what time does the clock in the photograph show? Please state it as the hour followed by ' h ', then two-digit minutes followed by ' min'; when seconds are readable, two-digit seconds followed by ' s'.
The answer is 5 h 39 min 29 s
